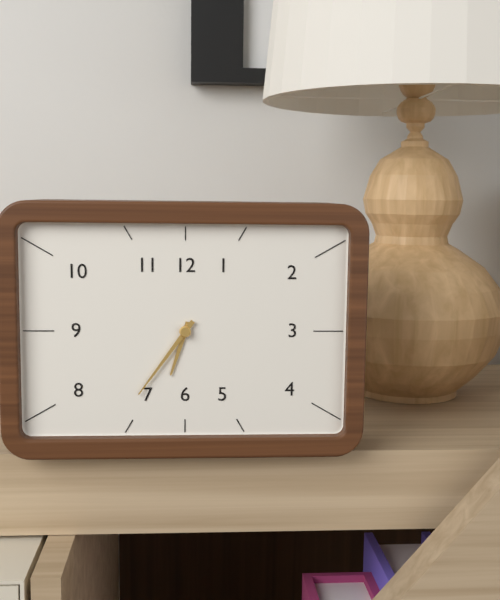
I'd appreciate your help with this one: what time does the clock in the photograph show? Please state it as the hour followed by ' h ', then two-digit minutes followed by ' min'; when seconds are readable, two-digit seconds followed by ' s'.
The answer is 6 h 36 min
